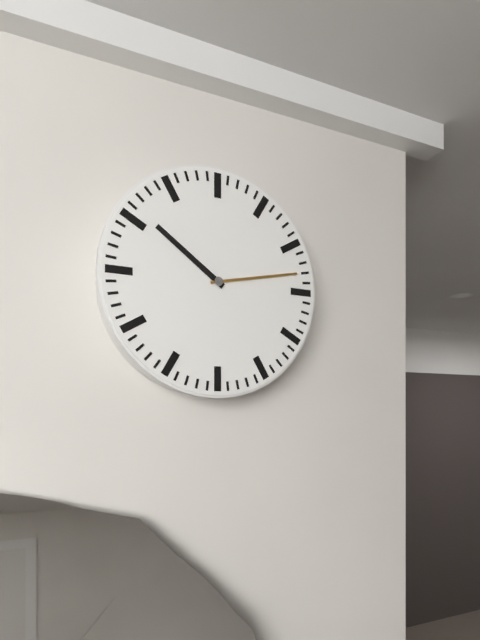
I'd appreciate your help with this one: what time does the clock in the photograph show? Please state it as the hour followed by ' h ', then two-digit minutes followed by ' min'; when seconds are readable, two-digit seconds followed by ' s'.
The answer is 10 h 13 min
